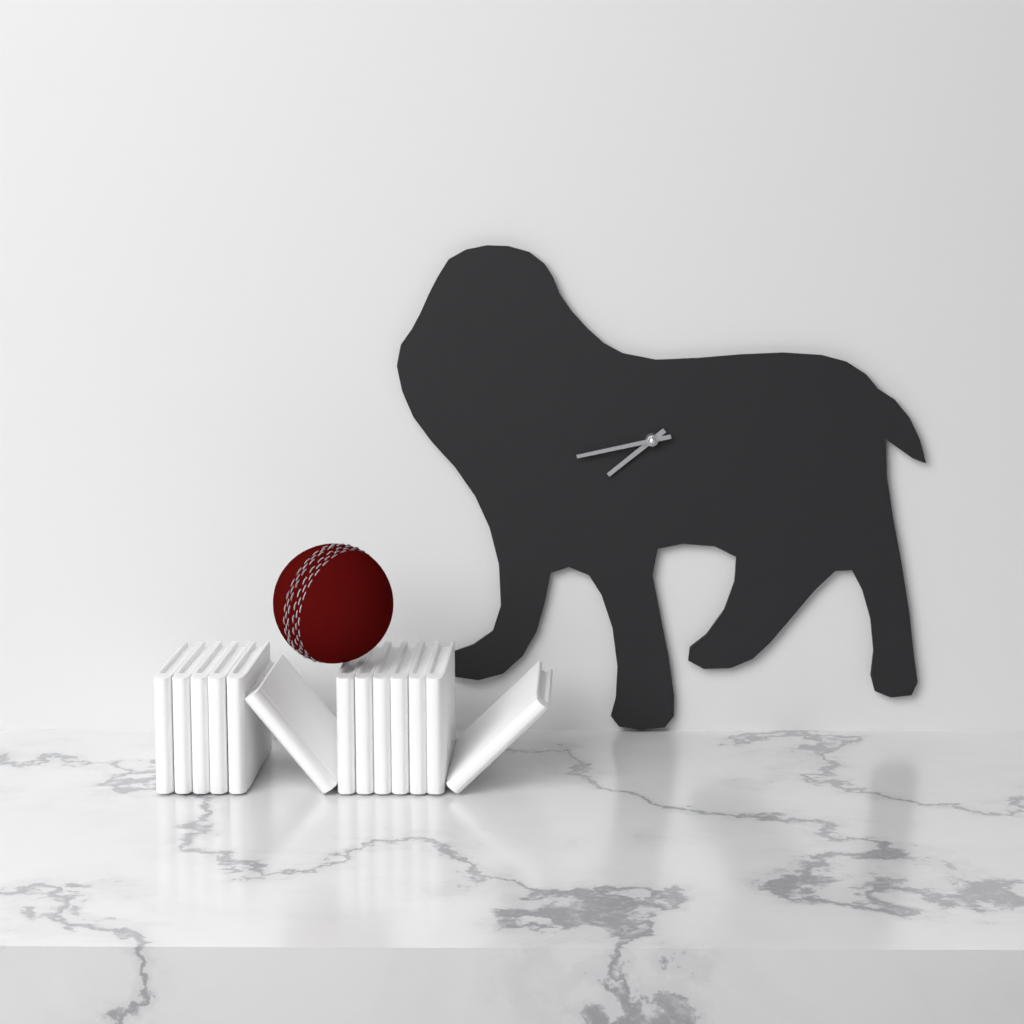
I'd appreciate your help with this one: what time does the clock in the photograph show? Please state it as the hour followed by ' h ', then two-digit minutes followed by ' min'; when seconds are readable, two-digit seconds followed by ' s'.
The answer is 7 h 43 min
